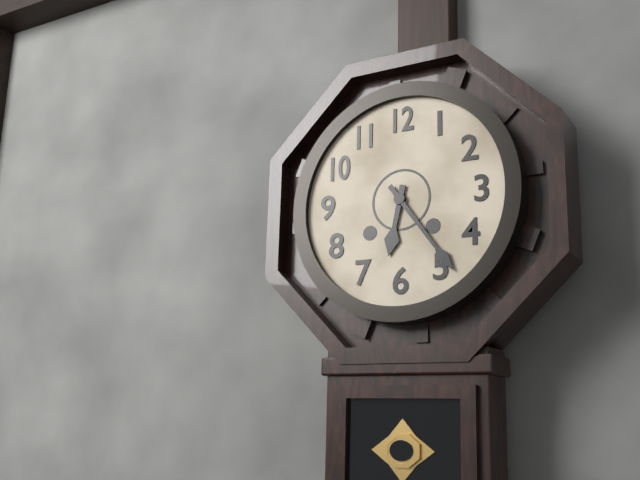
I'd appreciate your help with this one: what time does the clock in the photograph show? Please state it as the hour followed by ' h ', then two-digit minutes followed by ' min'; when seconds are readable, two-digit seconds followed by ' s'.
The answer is 6 h 24 min
